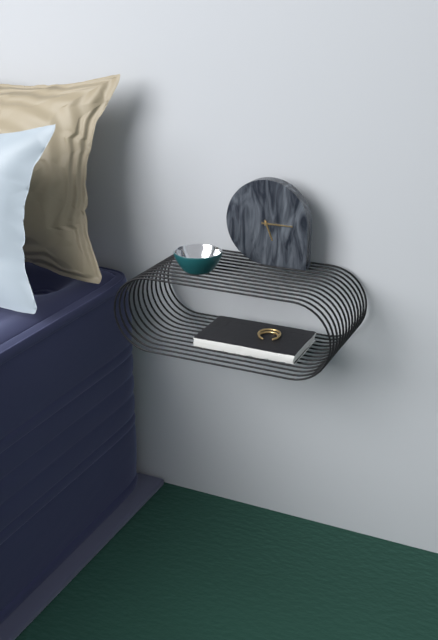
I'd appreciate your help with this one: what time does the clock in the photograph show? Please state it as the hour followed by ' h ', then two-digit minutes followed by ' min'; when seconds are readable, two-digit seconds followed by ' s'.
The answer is 5 h 15 min
